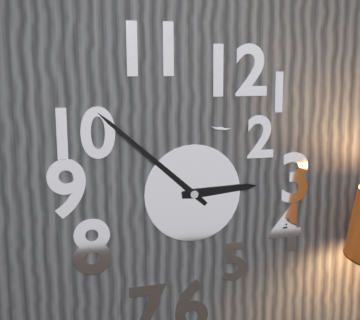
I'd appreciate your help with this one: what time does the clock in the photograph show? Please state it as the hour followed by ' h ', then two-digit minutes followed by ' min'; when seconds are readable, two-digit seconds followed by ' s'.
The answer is 2 h 52 min
